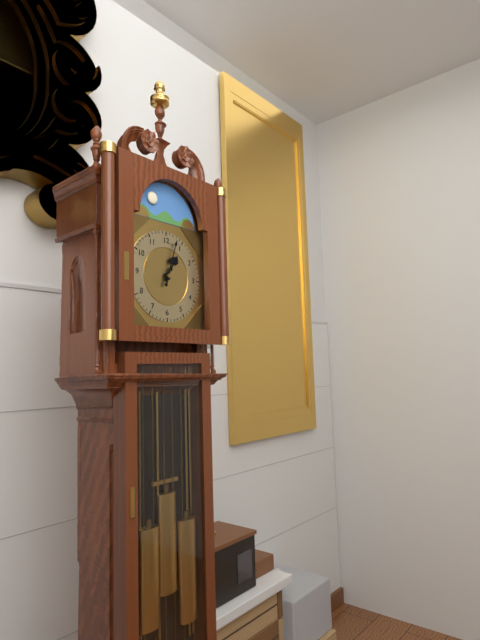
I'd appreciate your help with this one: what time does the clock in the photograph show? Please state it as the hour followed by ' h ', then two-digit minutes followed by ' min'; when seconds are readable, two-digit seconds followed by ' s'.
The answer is 1 h 03 min
